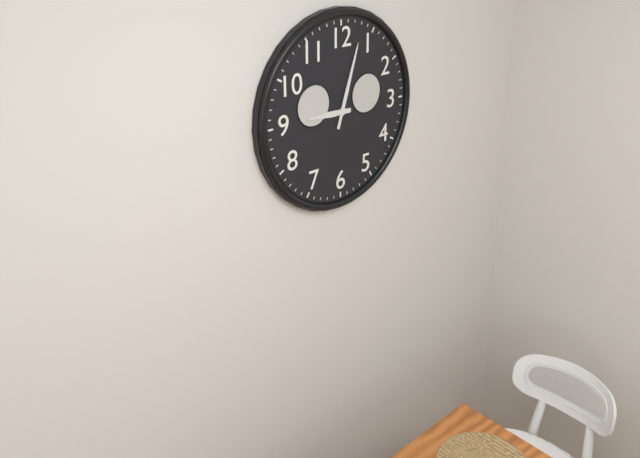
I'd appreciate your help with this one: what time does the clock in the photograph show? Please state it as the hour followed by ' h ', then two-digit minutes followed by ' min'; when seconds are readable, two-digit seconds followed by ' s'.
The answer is 9 h 03 min
